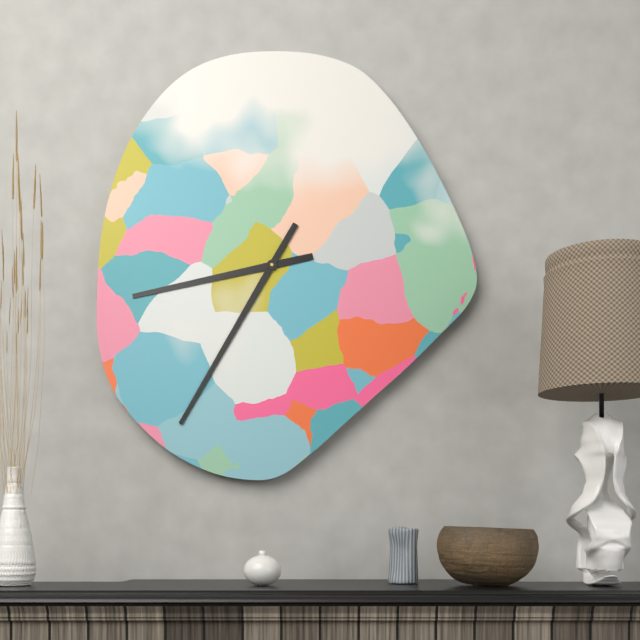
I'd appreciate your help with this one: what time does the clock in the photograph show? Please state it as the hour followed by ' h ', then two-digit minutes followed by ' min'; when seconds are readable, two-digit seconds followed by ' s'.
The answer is 8 h 35 min
